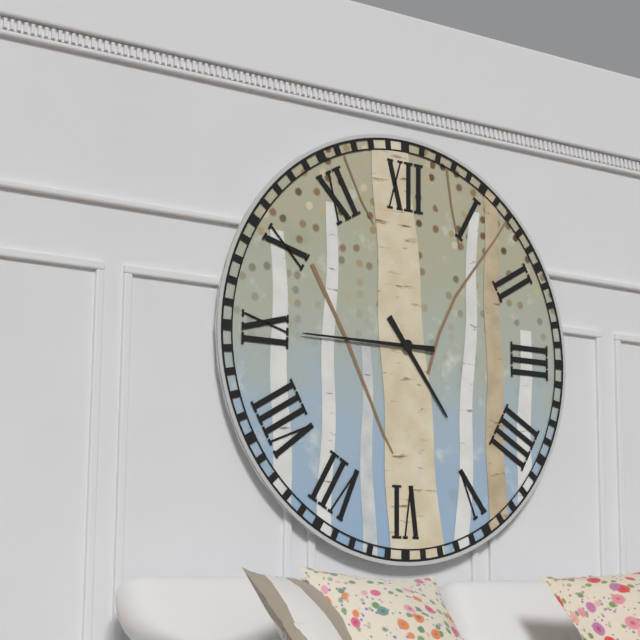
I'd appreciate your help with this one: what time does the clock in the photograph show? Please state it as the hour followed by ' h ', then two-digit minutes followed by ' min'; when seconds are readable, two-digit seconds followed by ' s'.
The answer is 4 h 45 min
